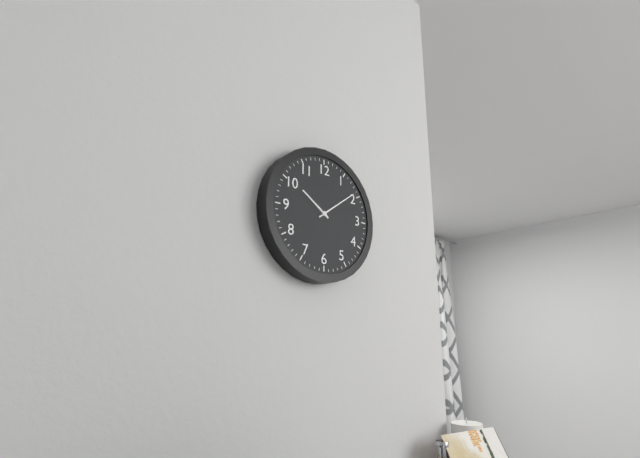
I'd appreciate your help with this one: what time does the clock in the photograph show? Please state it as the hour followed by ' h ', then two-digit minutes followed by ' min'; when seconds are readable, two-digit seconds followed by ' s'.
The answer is 10 h 09 min
